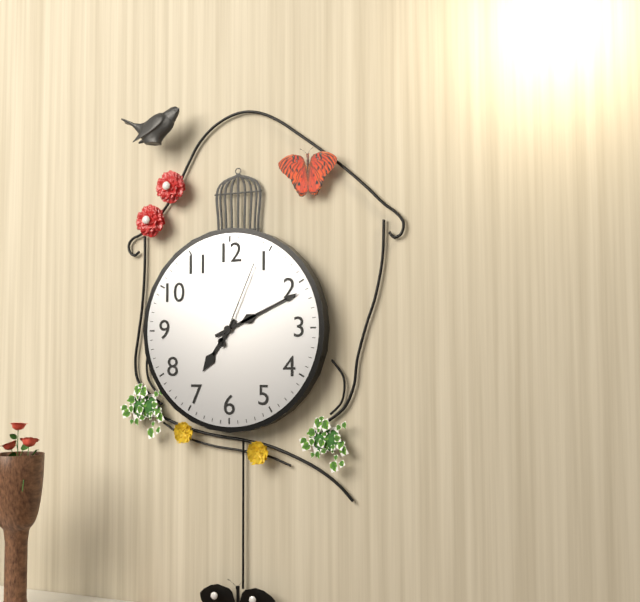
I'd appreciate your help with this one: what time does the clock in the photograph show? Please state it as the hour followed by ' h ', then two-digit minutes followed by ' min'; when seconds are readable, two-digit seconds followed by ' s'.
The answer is 7 h 11 min 04 s
